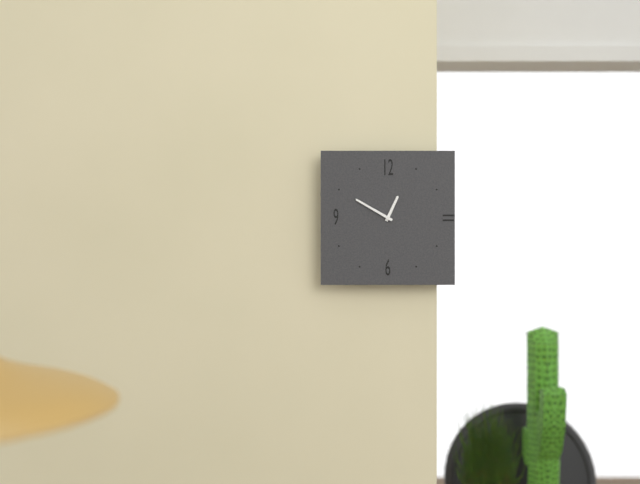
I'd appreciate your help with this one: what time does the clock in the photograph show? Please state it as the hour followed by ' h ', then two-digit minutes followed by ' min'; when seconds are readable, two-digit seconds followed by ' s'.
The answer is 12 h 50 min
